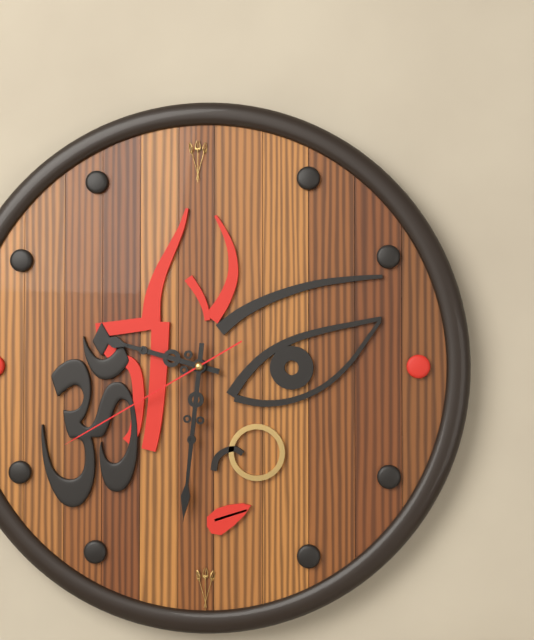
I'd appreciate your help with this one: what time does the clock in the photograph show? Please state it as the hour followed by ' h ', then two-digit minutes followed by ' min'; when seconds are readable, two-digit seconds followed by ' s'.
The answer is 9 h 31 min 40 s
